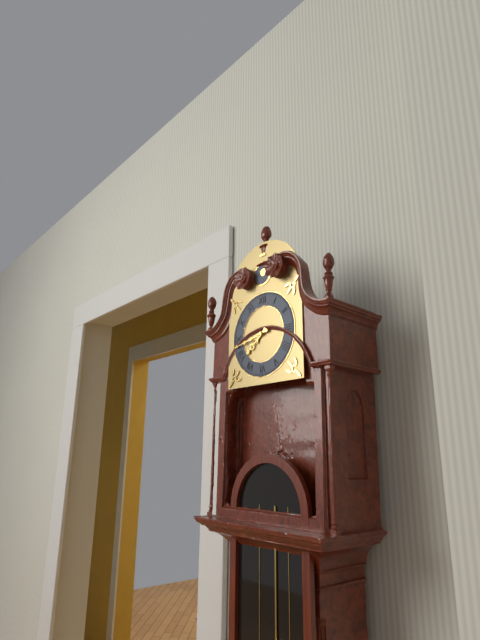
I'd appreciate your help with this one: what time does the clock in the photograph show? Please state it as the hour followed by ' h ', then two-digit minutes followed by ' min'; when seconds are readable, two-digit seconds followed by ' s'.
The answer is 7 h 43 min
